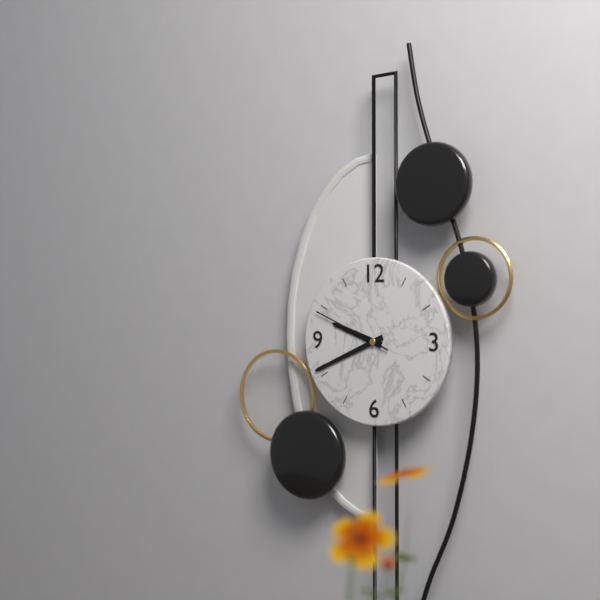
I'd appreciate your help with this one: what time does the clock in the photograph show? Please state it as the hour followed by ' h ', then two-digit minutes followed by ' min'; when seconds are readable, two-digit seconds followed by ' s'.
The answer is 9 h 41 min 49 s
